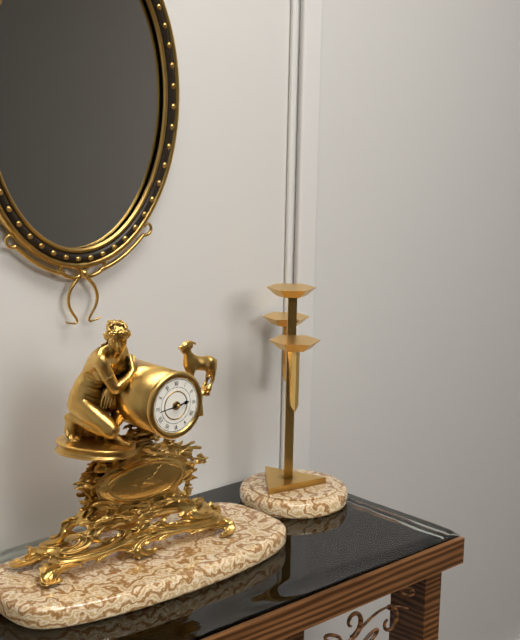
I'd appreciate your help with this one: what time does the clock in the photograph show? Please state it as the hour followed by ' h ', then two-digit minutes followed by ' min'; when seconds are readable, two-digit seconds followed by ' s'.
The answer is 2 h 44 min
